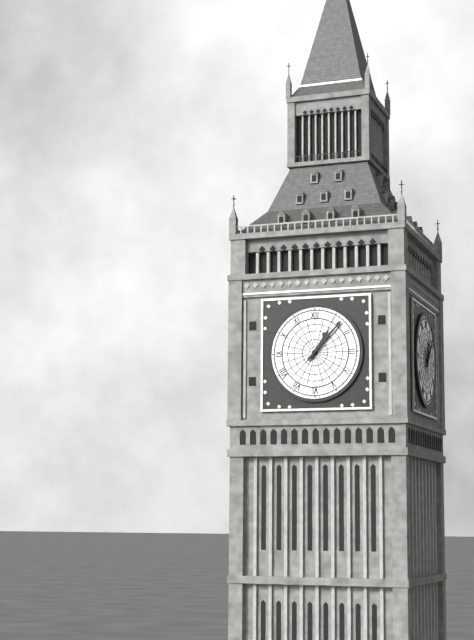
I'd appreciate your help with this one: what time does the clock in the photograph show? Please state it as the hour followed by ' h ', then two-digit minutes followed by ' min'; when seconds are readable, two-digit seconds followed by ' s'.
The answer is 1 h 07 min
